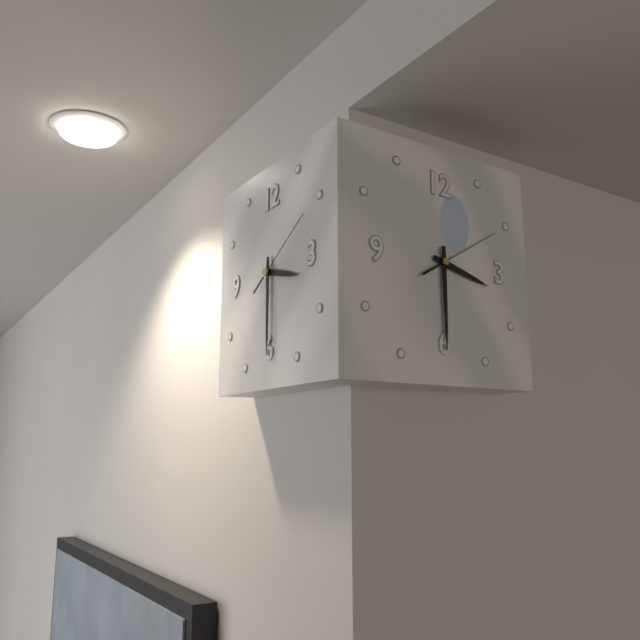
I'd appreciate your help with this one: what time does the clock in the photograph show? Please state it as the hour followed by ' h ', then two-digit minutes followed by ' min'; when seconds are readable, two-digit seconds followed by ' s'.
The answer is 3 h 30 min 10 s
